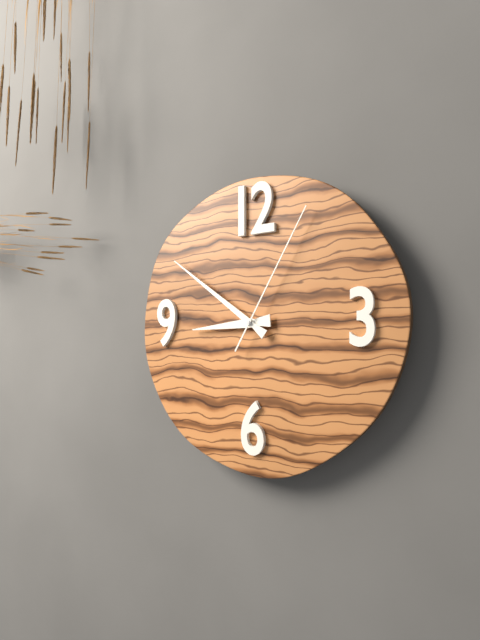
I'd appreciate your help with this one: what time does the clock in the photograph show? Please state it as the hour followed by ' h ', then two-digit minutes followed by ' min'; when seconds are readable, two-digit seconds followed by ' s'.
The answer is 8 h 51 min 05 s
